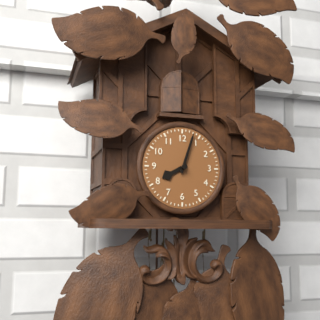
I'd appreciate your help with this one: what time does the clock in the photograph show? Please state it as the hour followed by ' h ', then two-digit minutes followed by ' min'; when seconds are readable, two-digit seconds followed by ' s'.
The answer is 8 h 03 min
